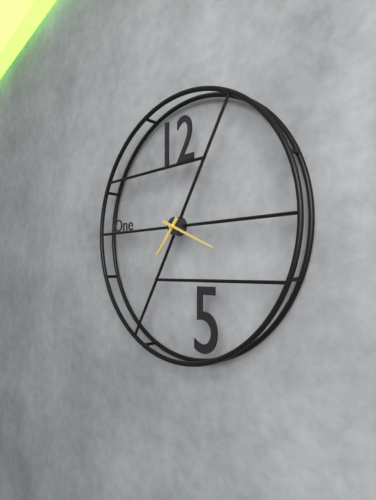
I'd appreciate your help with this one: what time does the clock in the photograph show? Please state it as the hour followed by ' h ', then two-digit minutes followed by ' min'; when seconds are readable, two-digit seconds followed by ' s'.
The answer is 7 h 19 min
